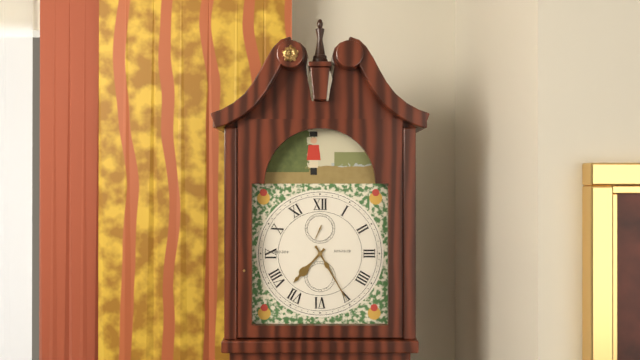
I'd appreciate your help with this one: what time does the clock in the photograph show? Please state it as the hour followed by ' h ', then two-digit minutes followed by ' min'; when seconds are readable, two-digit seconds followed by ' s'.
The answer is 7 h 25 min
